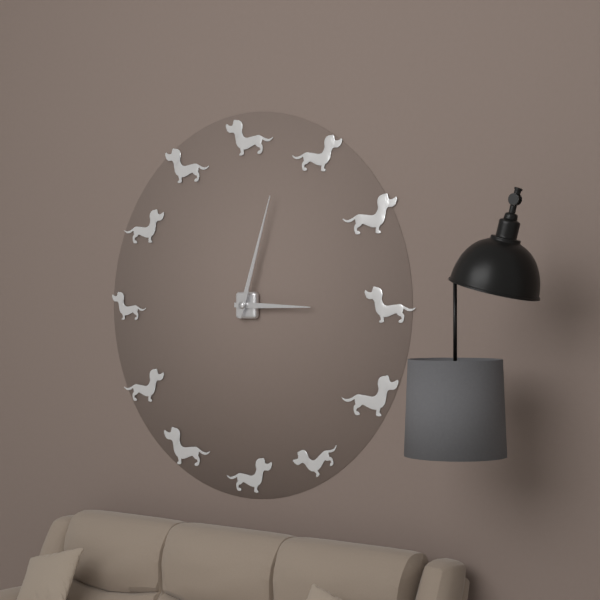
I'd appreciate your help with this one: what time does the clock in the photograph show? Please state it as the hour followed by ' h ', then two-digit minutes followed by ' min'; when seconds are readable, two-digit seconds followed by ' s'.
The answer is 3 h 03 min
